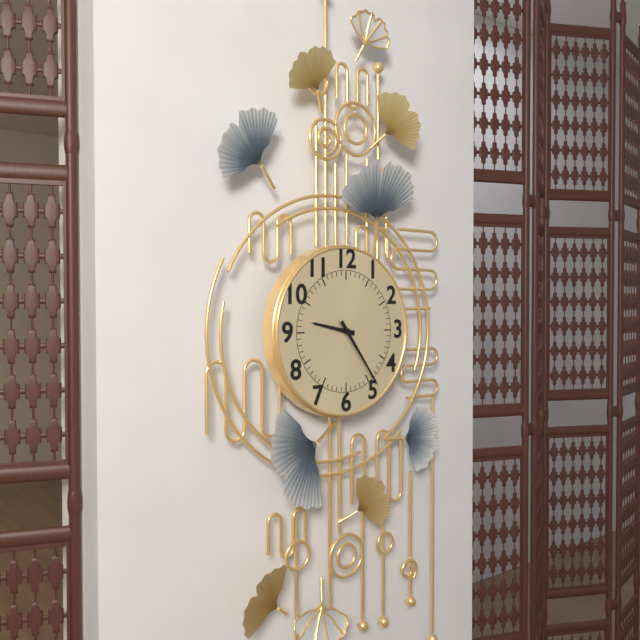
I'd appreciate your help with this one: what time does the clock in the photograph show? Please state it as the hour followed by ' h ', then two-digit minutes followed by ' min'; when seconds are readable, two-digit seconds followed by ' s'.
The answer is 9 h 24 min
